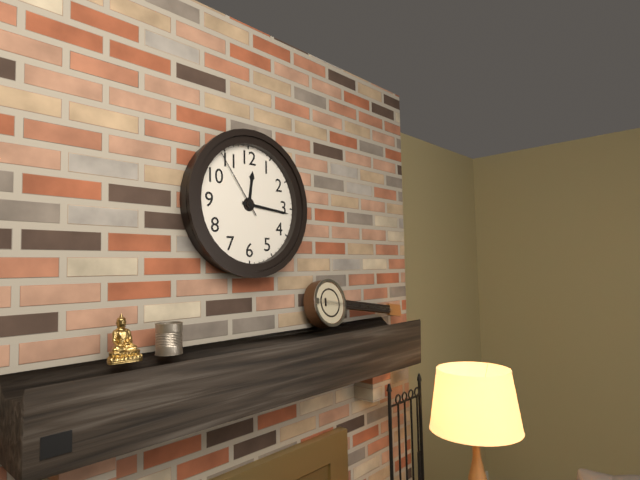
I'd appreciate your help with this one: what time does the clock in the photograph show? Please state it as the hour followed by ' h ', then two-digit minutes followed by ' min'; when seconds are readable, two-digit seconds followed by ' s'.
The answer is 12 h 16 min 54 s
